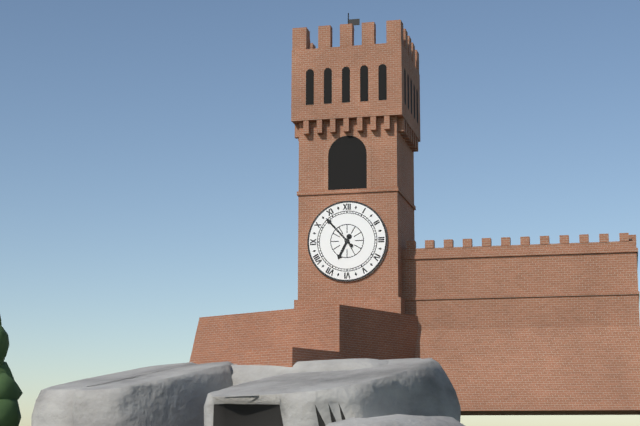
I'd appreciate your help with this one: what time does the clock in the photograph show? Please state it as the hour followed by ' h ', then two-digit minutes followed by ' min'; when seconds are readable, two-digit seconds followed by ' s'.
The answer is 6 h 53 min
